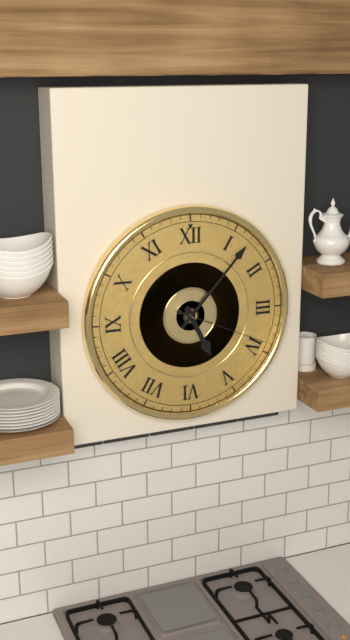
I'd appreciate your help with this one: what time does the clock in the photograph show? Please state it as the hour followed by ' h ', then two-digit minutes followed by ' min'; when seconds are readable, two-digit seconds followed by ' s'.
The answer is 5 h 07 min 19 s
